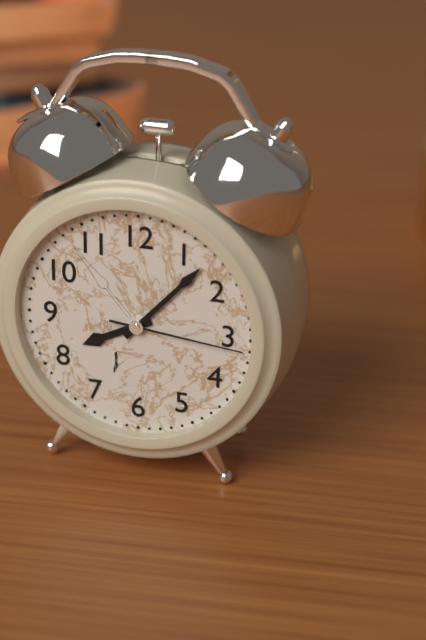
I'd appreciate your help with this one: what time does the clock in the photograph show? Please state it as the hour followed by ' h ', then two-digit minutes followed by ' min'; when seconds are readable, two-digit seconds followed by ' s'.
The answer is 8 h 07 min 16 s
